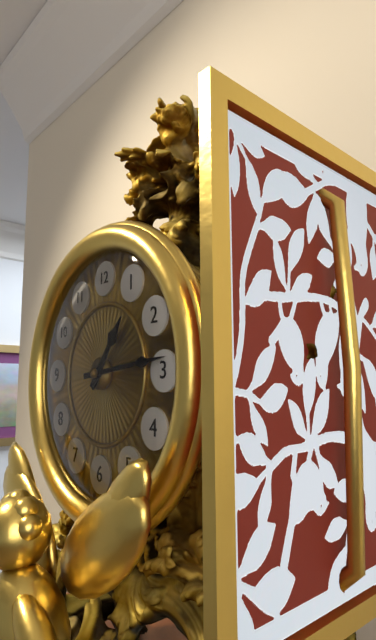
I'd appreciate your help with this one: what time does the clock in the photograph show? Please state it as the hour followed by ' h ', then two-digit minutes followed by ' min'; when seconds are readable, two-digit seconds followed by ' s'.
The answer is 1 h 14 min
